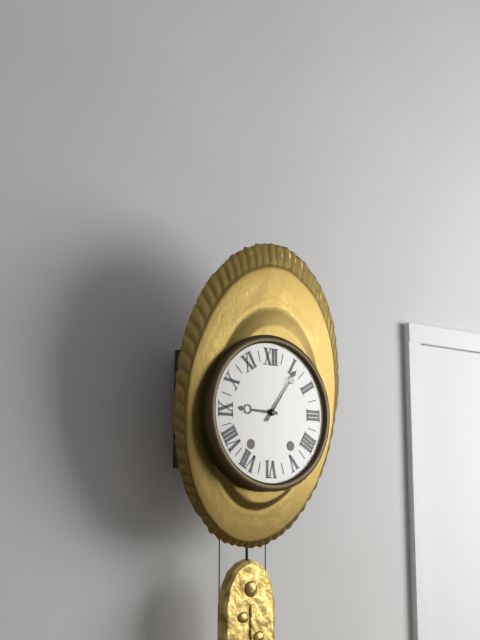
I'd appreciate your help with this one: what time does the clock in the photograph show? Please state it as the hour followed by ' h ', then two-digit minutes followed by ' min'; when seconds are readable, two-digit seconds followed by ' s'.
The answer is 9 h 06 min
